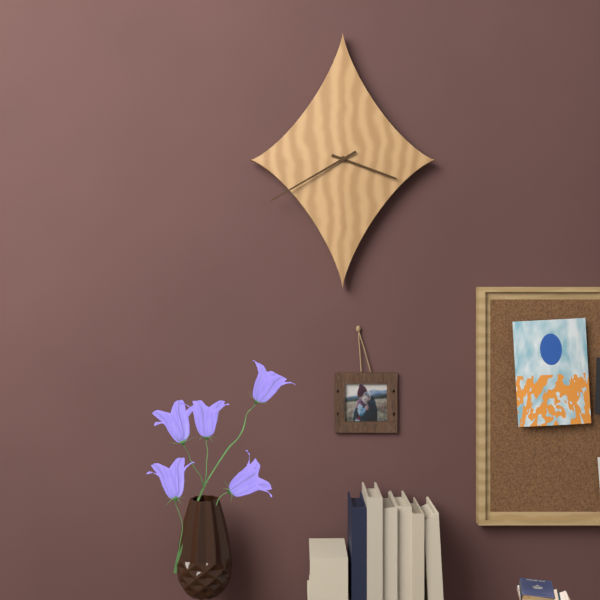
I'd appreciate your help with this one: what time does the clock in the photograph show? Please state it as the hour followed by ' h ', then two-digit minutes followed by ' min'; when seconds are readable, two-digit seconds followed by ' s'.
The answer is 3 h 40 min
